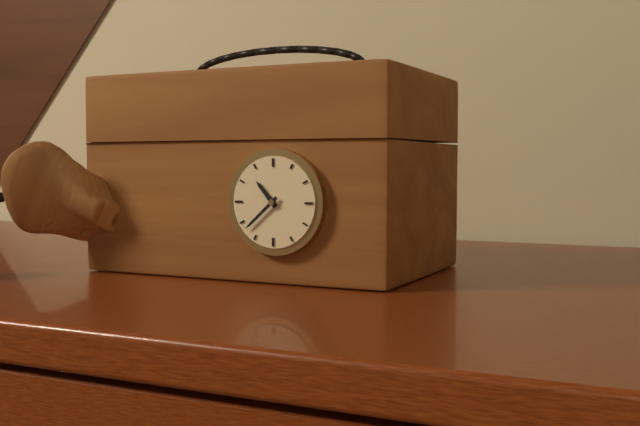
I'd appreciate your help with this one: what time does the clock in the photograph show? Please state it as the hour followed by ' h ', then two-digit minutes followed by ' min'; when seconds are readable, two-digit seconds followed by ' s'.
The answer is 10 h 38 min
